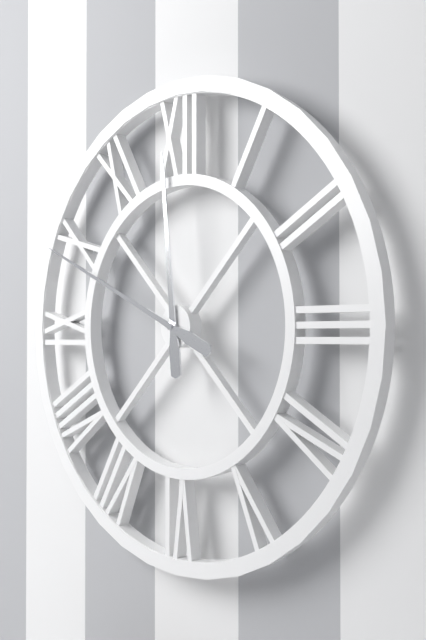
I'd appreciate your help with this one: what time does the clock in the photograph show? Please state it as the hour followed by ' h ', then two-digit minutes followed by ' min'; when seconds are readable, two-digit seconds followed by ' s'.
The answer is 11 h 49 min
